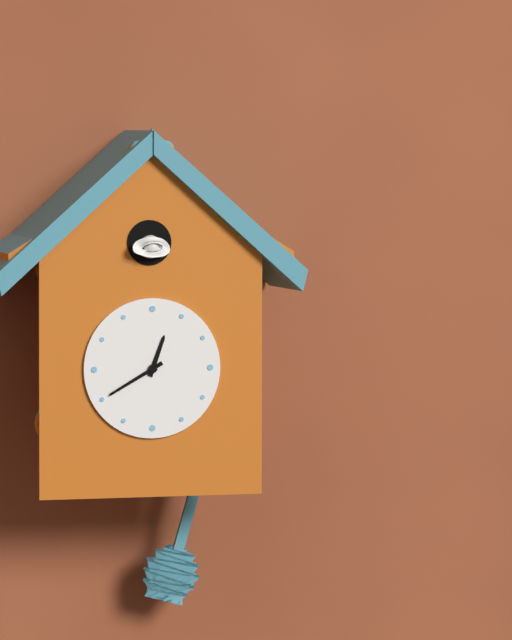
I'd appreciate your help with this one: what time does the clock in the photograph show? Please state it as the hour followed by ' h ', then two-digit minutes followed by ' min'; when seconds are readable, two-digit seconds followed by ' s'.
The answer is 12 h 40 min
